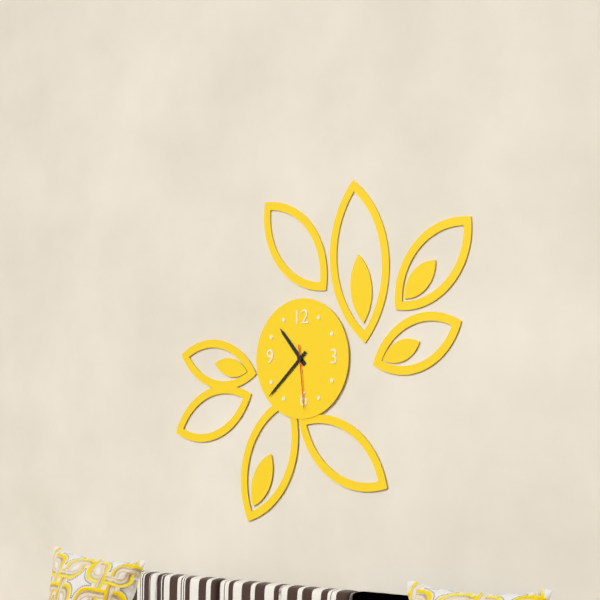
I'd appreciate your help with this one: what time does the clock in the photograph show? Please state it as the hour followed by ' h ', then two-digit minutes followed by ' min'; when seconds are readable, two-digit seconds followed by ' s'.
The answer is 10 h 38 min 29 s
